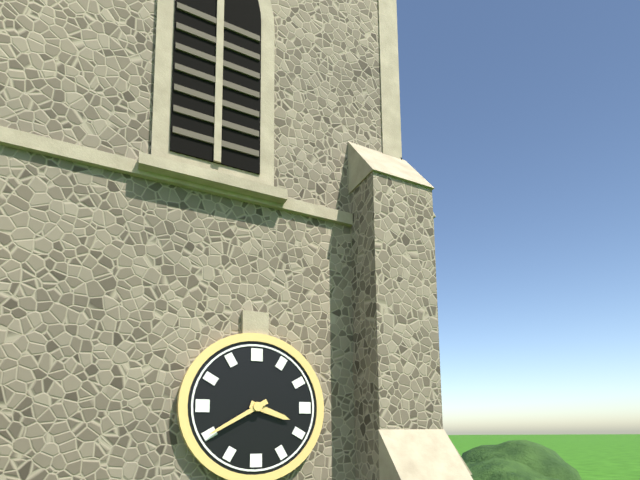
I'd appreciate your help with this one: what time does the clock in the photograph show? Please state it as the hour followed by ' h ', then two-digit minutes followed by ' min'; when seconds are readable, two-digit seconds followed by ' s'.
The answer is 3 h 40 min
